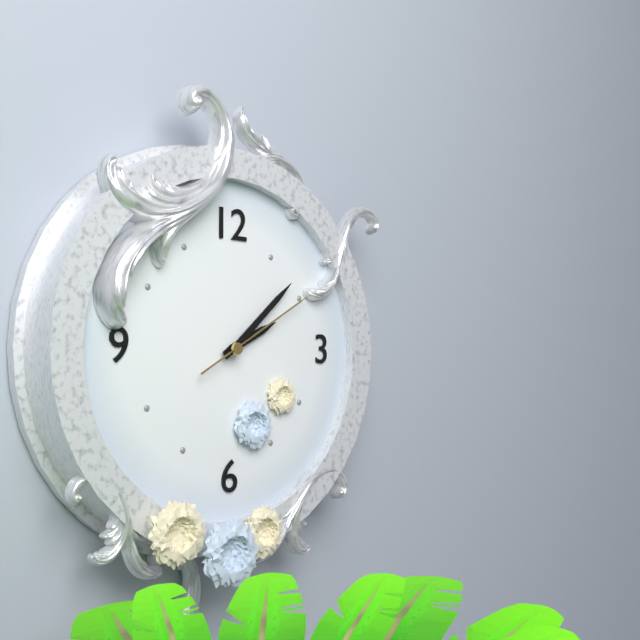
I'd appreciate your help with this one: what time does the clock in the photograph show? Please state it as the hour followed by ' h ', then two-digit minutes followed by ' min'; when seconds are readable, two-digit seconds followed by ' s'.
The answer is 2 h 08 min 10 s
